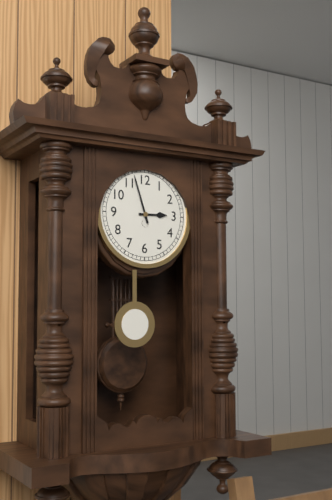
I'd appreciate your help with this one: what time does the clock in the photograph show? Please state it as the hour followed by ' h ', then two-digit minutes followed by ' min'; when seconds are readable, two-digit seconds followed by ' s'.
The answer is 2 h 57 min
